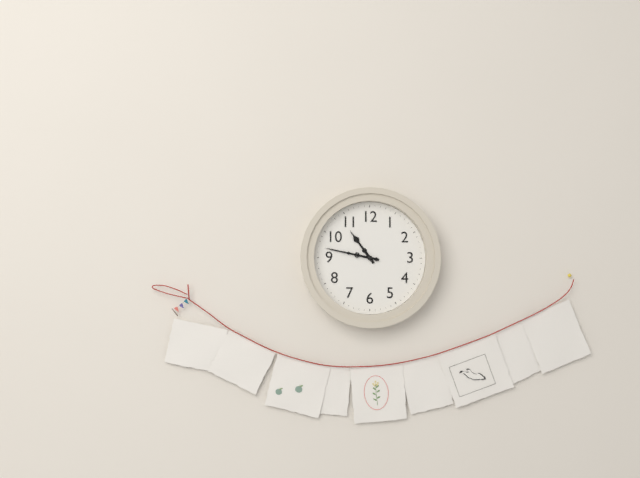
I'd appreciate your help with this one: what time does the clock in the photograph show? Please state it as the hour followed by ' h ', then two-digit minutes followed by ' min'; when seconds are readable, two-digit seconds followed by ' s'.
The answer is 10 h 47 min
